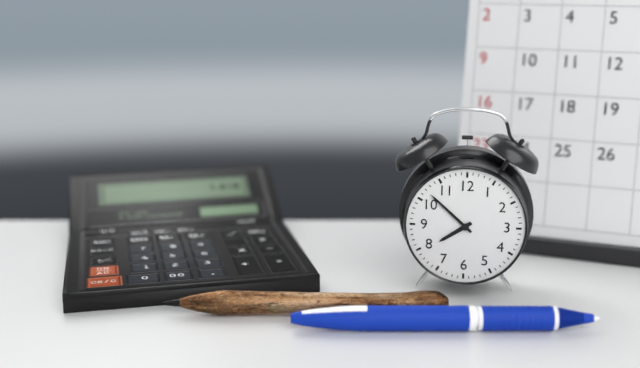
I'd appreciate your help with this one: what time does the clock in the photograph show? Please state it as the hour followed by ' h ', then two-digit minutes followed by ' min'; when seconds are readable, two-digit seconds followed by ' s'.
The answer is 7 h 52 min
